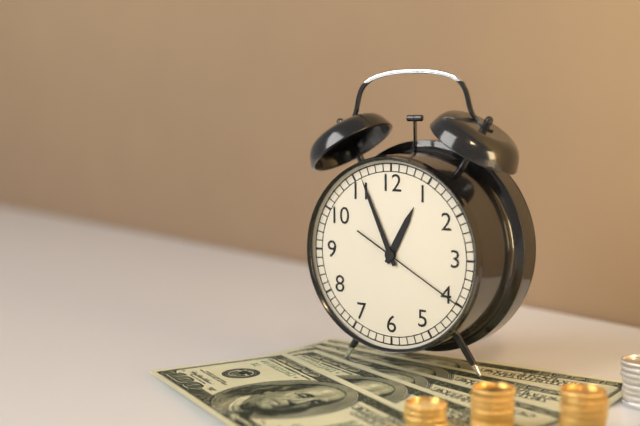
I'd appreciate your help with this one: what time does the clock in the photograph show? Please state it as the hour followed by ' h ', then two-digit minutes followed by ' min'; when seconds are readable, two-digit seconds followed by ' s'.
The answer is 12 h 56 min 20 s
